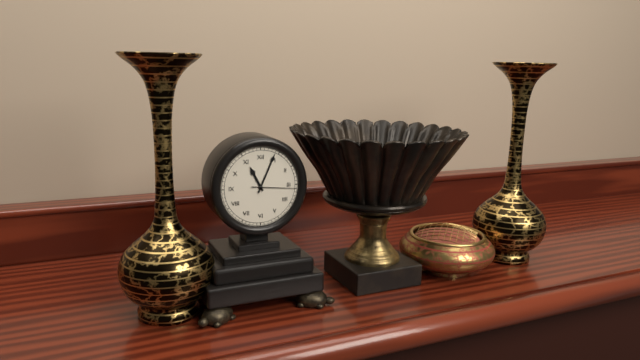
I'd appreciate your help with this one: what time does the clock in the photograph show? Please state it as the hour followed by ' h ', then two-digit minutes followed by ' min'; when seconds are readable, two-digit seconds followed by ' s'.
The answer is 11 h 04 min
